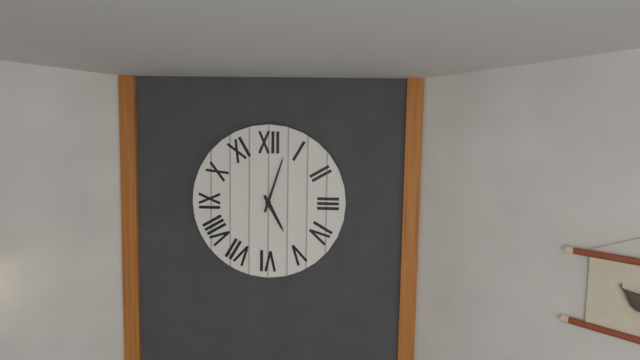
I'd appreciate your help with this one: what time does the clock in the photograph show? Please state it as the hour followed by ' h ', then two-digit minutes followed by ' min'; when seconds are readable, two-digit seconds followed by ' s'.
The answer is 5 h 03 min
